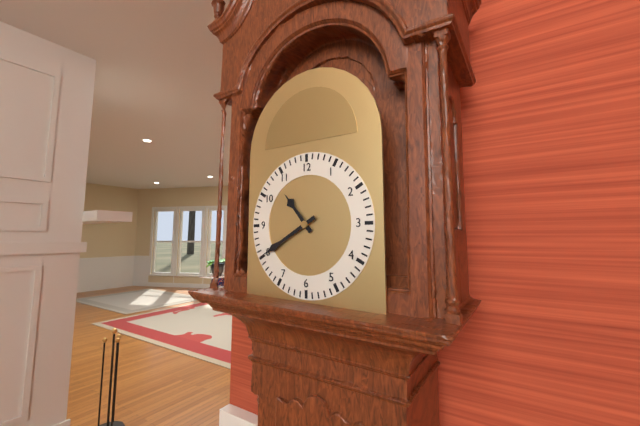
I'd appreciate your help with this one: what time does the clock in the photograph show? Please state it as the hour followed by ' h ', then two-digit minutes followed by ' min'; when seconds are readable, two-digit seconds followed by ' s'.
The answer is 10 h 40 min
